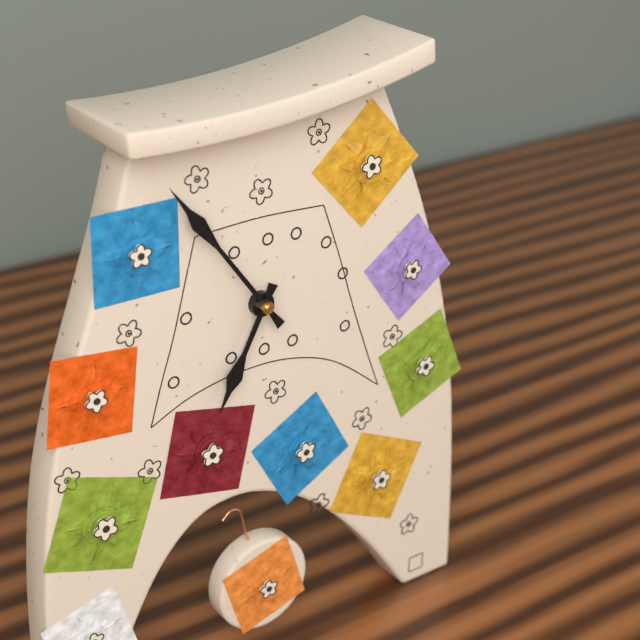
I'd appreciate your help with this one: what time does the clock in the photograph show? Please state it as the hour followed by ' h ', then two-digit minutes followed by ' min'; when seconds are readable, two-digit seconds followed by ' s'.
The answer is 6 h 54 min
